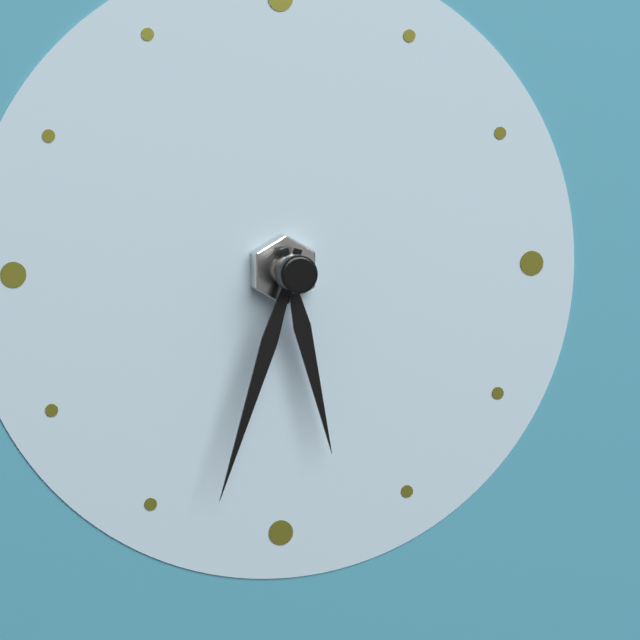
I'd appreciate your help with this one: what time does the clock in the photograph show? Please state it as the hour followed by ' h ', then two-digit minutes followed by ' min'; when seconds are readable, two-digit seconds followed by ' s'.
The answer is 5 h 33 min
